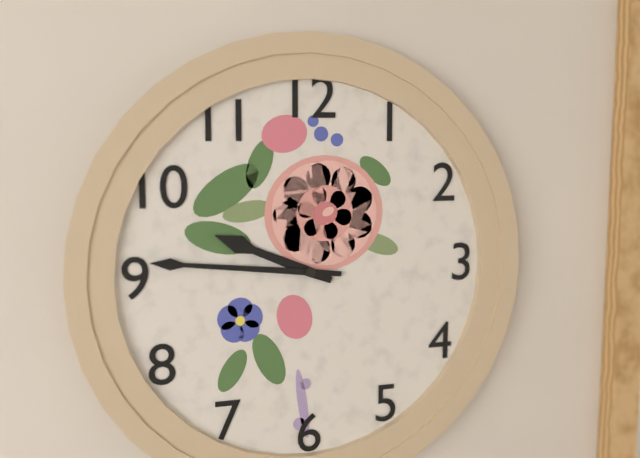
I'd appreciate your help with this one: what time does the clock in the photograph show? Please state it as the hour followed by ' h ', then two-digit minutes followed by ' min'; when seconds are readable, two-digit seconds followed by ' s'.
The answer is 9 h 46 min
